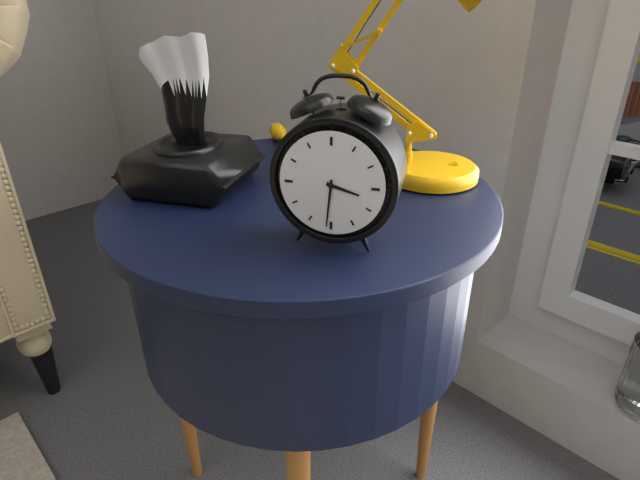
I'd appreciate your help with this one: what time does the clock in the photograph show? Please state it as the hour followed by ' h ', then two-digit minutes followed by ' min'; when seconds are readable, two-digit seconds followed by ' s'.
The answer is 3 h 31 min
